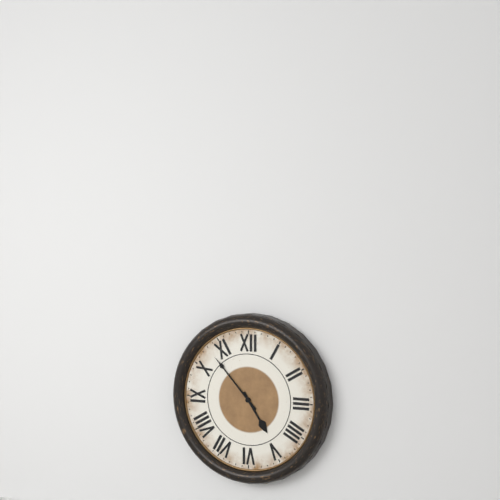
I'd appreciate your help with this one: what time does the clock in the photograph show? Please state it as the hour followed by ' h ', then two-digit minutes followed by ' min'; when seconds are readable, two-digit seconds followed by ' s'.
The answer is 4 h 53 min
